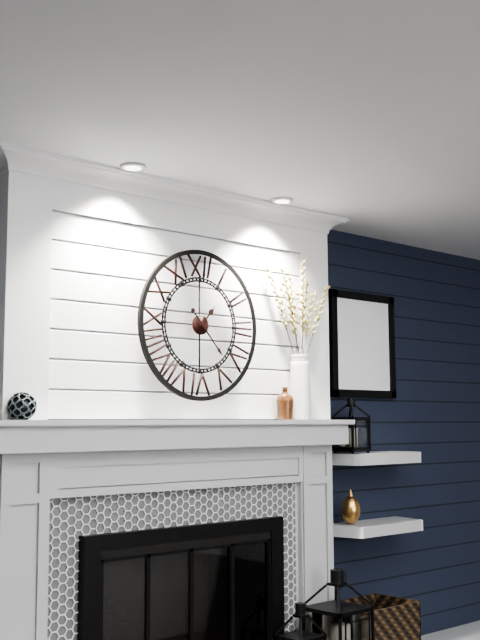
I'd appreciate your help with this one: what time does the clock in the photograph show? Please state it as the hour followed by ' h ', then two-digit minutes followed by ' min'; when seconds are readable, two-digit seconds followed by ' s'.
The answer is 1 h 23 min
